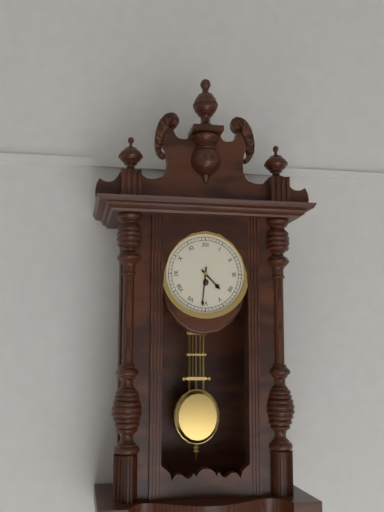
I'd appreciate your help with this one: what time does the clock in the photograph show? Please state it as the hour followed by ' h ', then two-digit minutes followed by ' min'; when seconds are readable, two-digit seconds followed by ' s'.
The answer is 4 h 31 min
